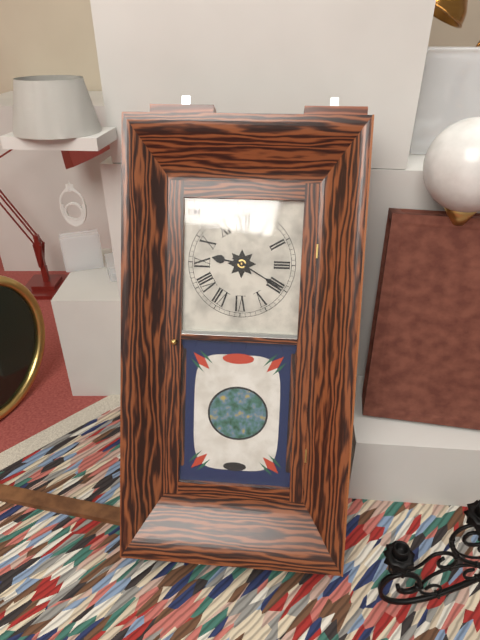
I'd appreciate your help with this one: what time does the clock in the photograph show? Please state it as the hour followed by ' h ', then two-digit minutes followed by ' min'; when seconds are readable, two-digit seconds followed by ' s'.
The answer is 9 h 20 min
